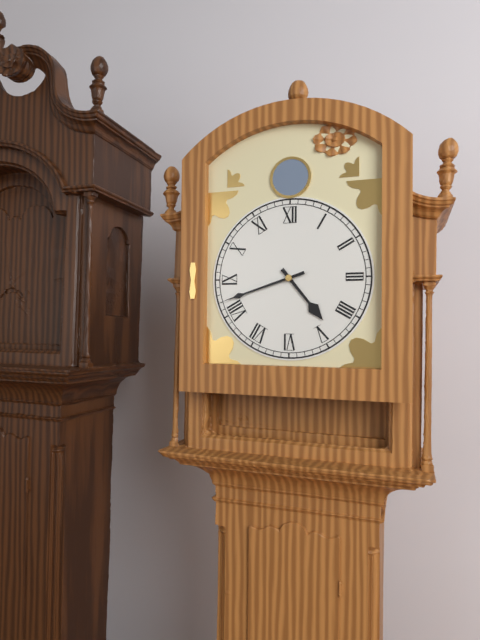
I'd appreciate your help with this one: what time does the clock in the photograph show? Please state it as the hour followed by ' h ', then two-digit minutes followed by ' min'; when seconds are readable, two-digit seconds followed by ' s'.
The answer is 4 h 42 min
